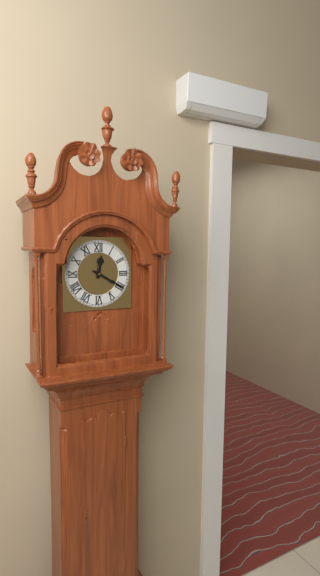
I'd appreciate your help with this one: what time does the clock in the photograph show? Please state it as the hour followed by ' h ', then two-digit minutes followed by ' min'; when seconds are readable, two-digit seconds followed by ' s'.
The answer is 12 h 20 min
